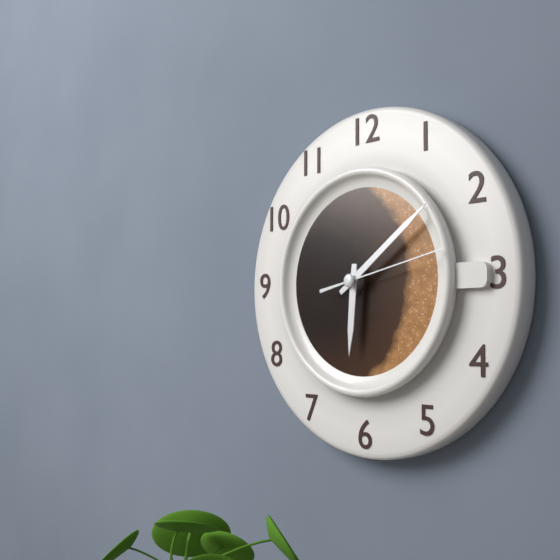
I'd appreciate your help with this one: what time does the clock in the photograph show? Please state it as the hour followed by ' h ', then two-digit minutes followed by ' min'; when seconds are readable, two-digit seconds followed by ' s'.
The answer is 6 h 09 min 13 s
